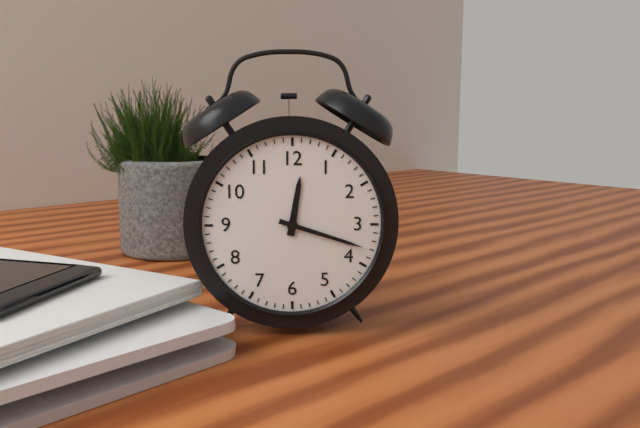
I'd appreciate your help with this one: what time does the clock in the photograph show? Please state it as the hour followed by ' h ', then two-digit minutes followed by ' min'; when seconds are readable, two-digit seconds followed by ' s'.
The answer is 12 h 18 min
